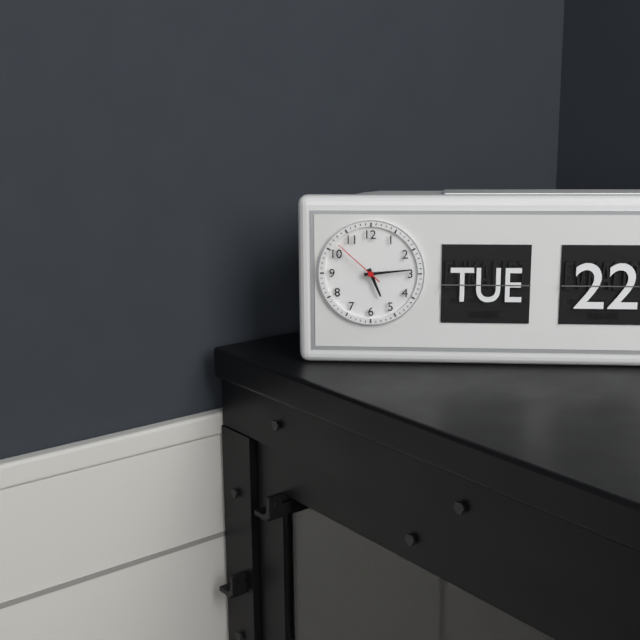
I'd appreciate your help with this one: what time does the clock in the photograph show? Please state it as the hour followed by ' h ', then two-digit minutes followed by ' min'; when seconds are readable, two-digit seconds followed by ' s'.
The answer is 5 h 14 min 52 s
